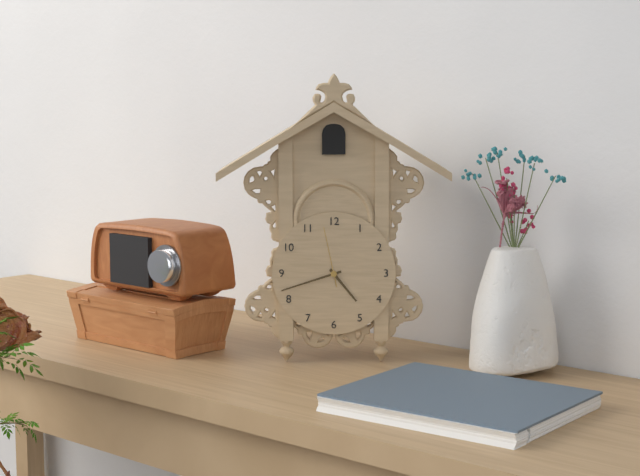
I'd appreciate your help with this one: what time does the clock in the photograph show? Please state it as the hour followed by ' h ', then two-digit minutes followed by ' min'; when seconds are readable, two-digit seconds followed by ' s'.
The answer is 4 h 42 min 58 s
